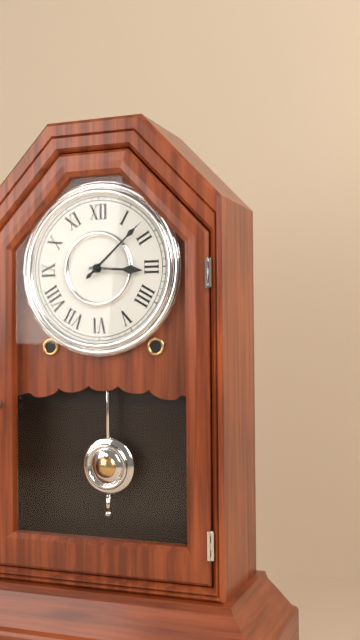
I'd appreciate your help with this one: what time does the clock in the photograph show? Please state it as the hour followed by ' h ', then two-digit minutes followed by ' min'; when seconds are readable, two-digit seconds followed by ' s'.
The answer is 3 h 08 min
